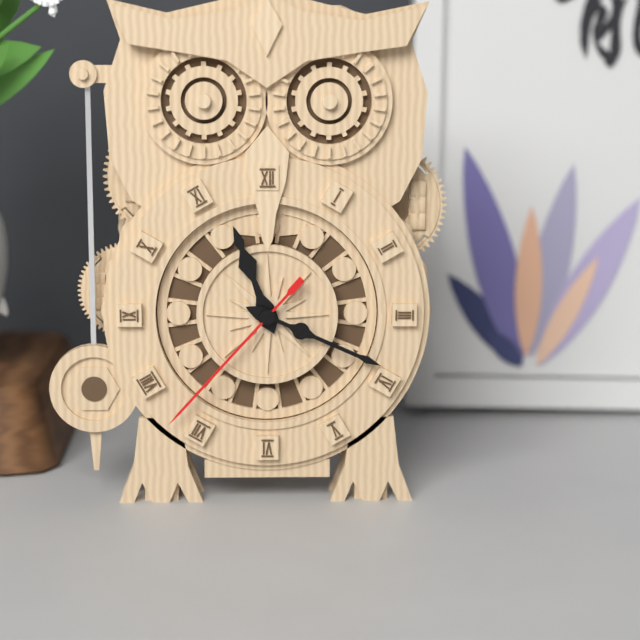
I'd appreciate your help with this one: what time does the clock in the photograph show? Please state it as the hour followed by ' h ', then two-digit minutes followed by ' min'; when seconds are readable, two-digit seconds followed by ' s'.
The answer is 11 h 19 min 37 s
